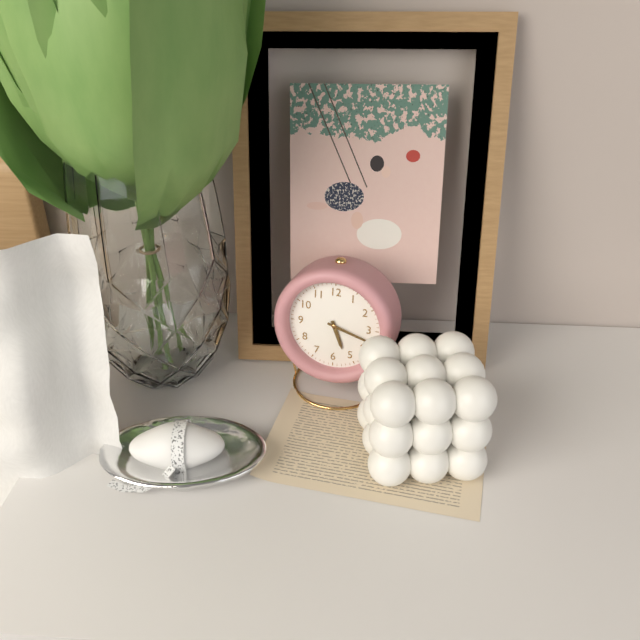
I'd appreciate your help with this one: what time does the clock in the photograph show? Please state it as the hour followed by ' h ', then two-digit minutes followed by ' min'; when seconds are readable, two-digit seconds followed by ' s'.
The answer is 5 h 18 min
